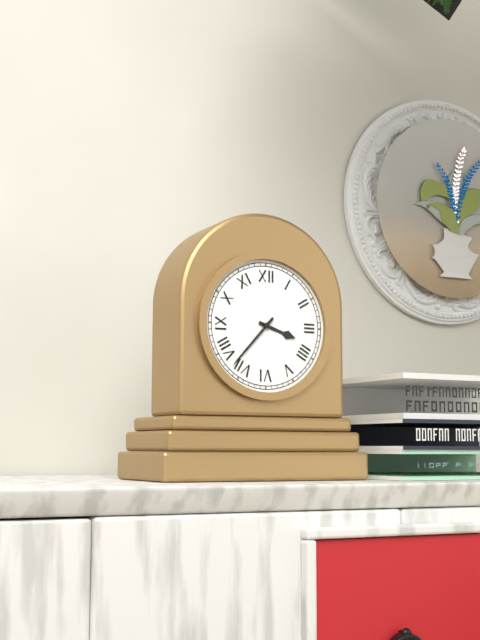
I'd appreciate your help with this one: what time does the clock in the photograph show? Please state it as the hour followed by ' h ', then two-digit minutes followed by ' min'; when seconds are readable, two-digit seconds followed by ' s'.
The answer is 3 h 37 min
